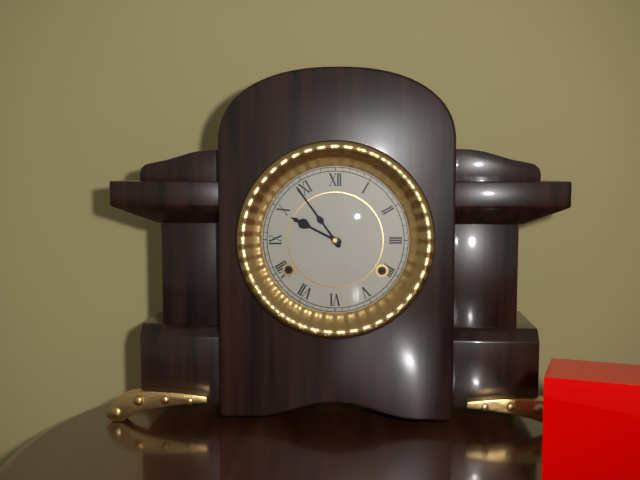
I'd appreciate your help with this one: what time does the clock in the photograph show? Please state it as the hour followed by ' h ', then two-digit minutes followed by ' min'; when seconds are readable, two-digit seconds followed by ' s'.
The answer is 9 h 54 min
